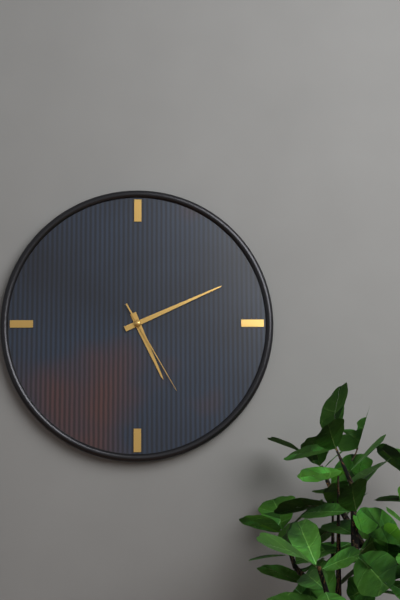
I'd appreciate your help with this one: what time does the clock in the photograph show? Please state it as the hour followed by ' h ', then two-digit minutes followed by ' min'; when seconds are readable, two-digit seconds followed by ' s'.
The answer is 5 h 11 min 25 s
